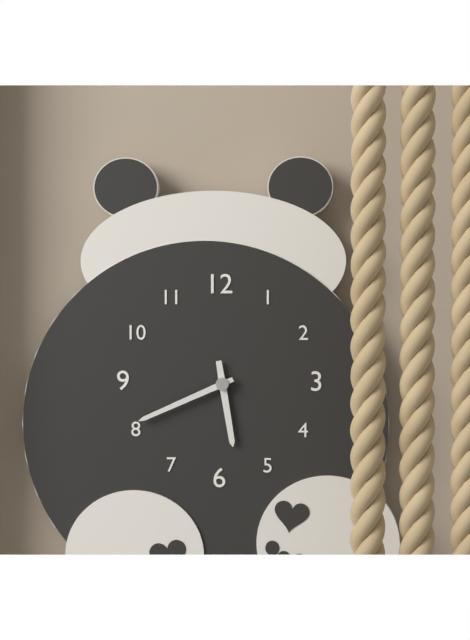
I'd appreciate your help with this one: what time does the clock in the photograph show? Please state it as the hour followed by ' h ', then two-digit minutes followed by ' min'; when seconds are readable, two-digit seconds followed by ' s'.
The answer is 5 h 41 min
